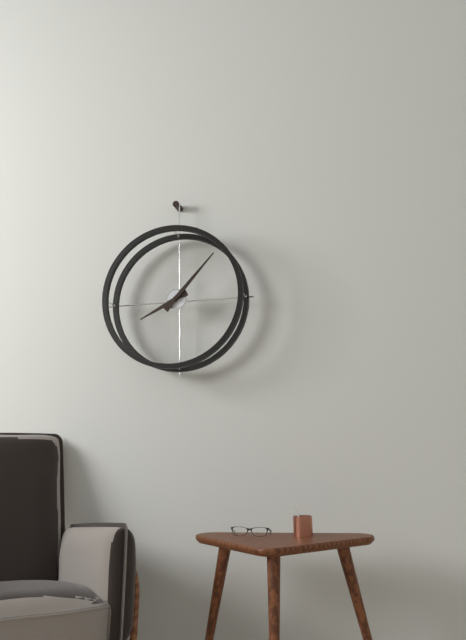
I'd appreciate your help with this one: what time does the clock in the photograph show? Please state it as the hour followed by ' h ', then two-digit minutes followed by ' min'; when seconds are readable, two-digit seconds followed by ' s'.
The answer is 8 h 07 min
